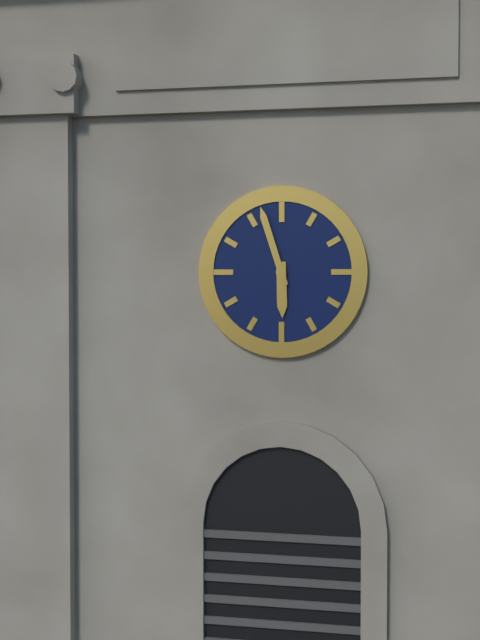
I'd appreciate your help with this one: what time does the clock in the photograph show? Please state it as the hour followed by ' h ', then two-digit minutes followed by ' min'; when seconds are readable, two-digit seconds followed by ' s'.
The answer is 5 h 57 min
